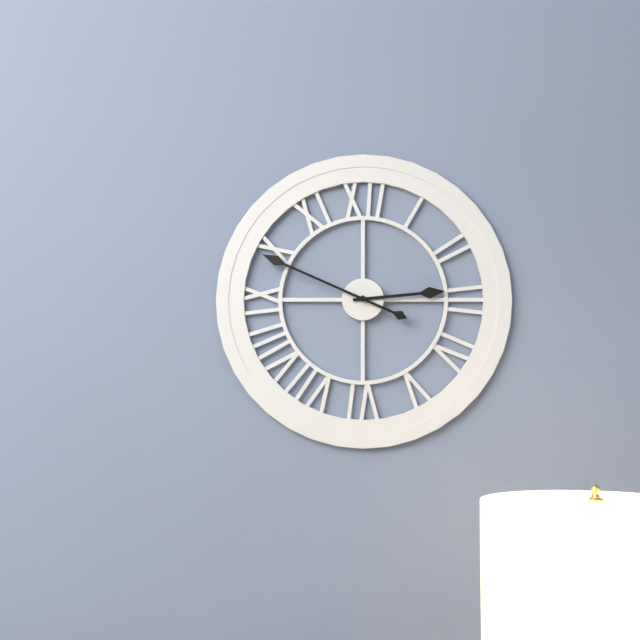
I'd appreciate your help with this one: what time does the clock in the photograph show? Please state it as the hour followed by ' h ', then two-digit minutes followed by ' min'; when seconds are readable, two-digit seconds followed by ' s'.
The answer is 2 h 49 min
